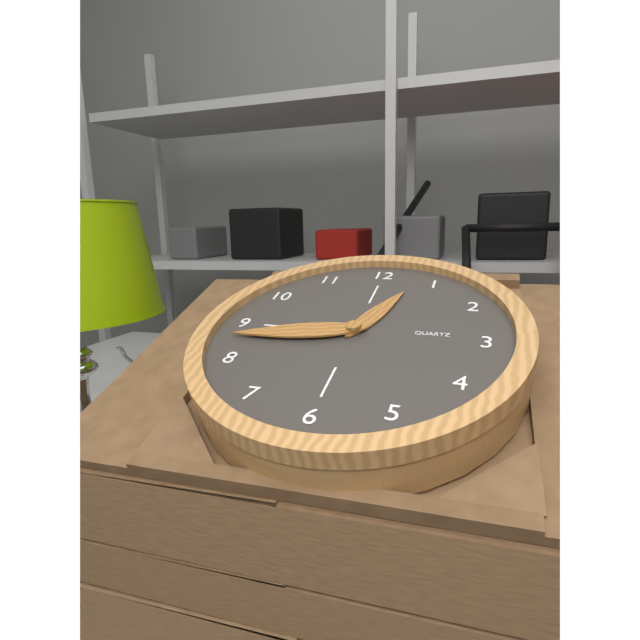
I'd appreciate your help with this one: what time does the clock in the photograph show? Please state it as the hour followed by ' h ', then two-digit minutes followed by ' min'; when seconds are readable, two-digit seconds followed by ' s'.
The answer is 12 h 43 min
